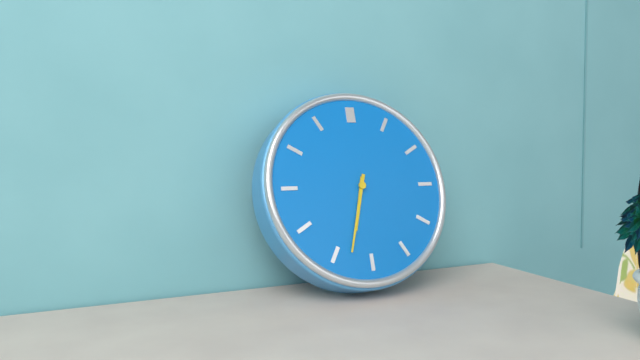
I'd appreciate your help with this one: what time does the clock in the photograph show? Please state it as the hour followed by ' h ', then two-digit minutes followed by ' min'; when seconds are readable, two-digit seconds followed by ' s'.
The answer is 6 h 33 min
